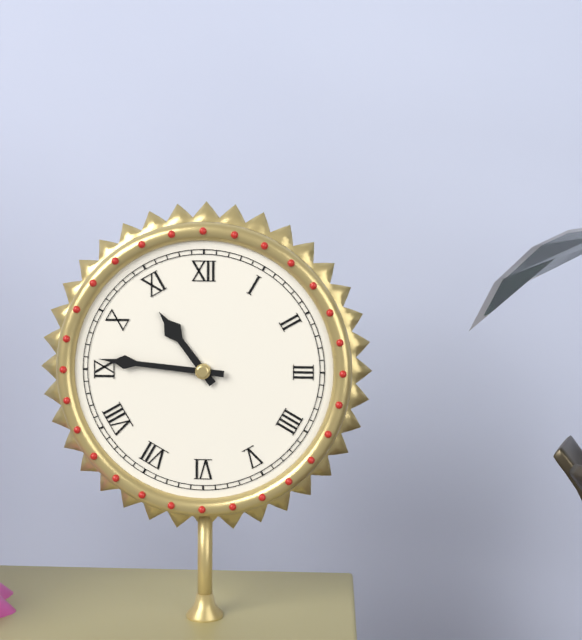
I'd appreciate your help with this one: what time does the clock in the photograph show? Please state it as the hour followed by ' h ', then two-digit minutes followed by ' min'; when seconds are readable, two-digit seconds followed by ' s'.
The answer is 10 h 46 min
